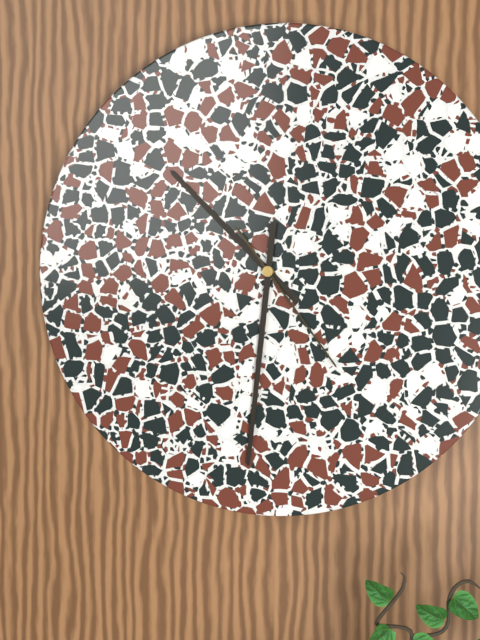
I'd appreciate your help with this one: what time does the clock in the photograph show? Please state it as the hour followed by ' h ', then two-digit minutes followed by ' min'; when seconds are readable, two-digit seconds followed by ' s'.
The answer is 10 h 31 min 24 s
